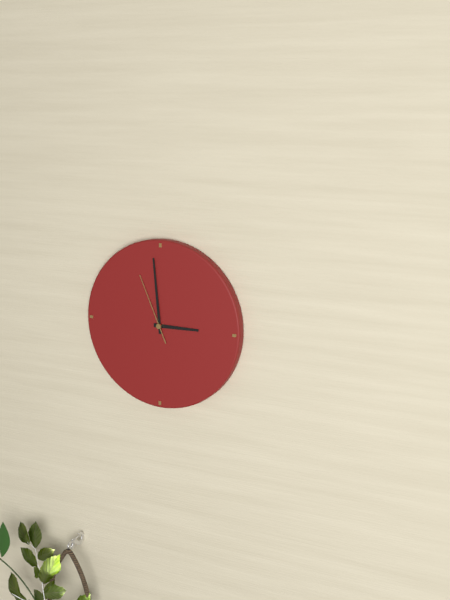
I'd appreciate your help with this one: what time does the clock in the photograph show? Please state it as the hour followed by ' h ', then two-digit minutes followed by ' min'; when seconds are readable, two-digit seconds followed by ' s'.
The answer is 2 h 59 min 56 s
